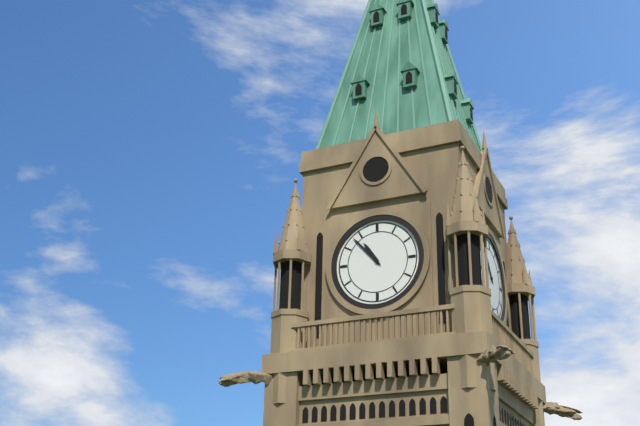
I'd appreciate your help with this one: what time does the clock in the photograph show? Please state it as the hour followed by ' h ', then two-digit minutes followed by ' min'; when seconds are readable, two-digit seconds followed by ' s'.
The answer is 10 h 53 min
